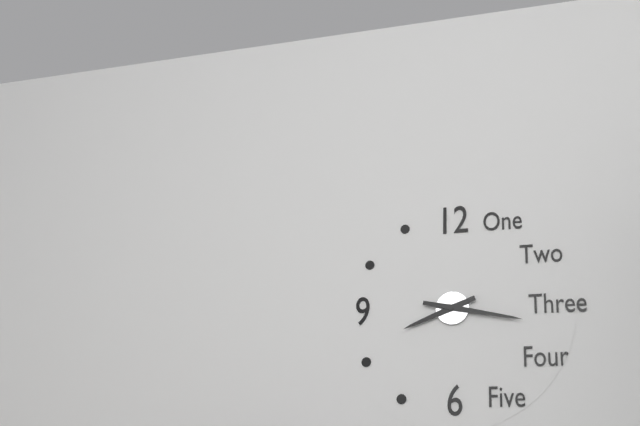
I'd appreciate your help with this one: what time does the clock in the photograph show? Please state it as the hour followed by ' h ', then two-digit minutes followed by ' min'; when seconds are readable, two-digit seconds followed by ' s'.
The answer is 8 h 17 min
